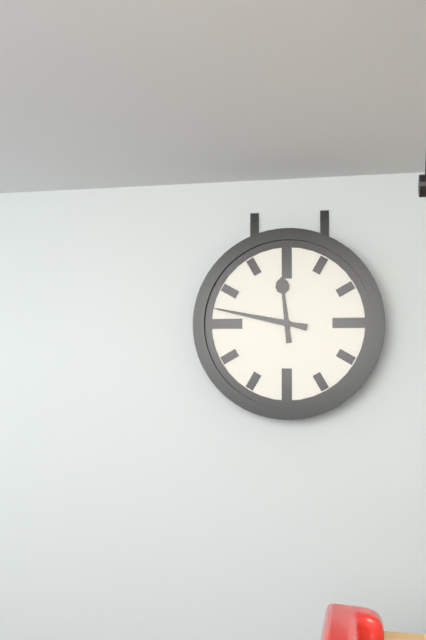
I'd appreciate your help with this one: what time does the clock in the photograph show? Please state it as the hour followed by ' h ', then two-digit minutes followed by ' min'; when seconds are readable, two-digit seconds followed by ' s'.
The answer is 11 h 47 min
